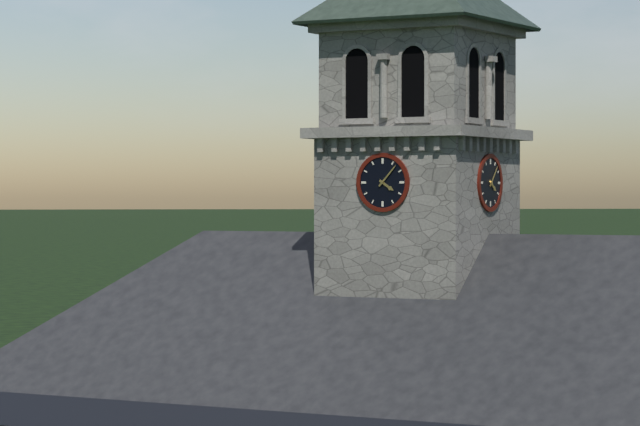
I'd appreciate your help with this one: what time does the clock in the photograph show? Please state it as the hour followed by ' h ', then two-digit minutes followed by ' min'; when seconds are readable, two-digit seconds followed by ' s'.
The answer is 4 h 07 min
